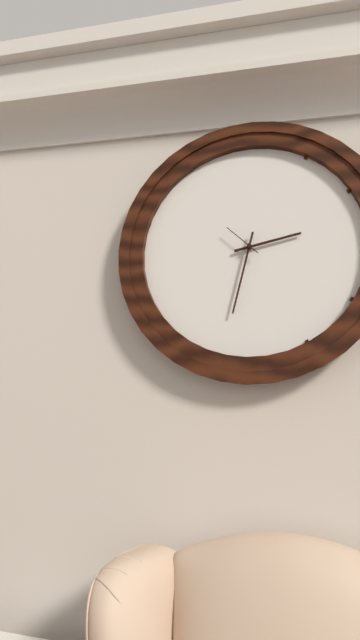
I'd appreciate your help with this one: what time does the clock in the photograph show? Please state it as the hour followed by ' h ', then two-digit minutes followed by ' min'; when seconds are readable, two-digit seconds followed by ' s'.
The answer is 2 h 32 min
